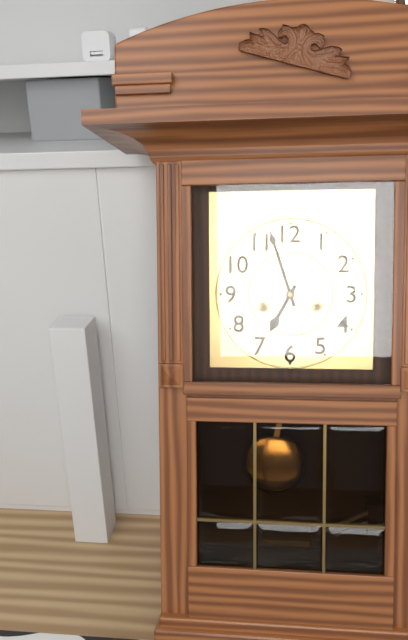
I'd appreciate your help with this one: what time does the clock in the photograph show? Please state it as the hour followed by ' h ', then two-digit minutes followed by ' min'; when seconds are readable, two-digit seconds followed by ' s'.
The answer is 6 h 57 min
